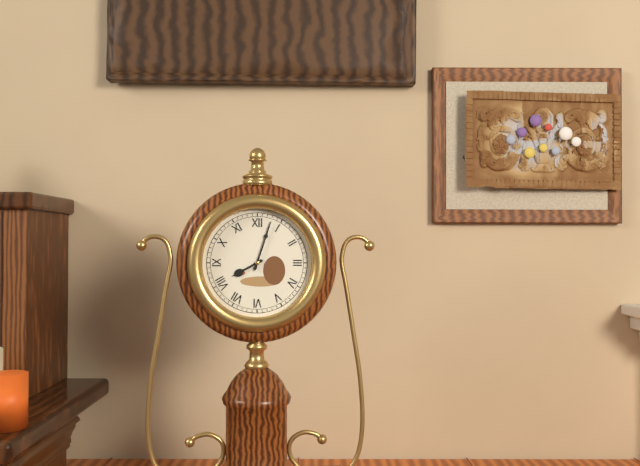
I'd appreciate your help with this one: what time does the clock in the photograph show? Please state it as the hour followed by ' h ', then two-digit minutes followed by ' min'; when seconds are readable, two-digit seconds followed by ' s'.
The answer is 8 h 03 min
